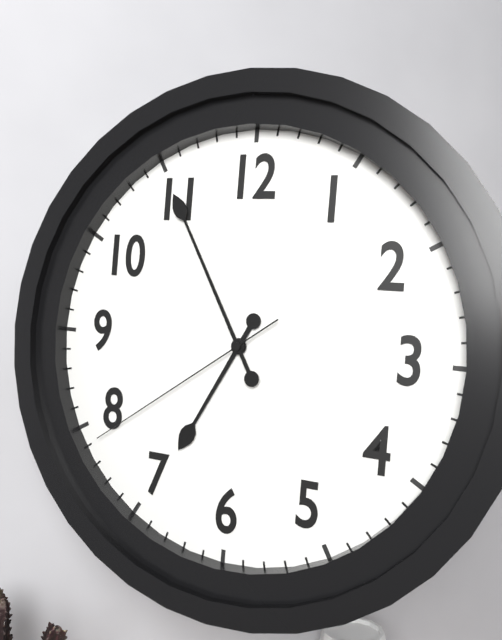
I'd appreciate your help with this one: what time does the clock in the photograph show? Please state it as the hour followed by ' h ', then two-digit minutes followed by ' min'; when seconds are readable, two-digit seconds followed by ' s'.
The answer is 6 h 55 min 39 s
